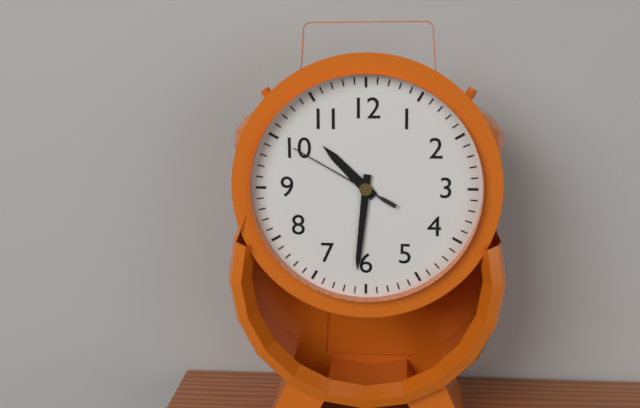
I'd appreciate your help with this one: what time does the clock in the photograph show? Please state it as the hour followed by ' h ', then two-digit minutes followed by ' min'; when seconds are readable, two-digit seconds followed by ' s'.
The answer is 10 h 31 min 50 s
